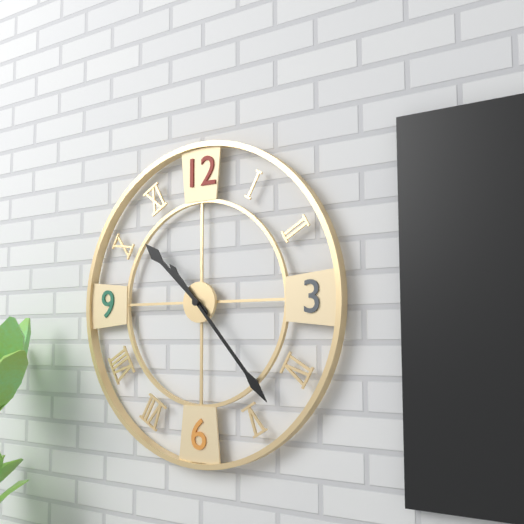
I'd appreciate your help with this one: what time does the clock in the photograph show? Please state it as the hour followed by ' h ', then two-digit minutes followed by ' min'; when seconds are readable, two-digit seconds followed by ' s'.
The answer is 10 h 23 min
